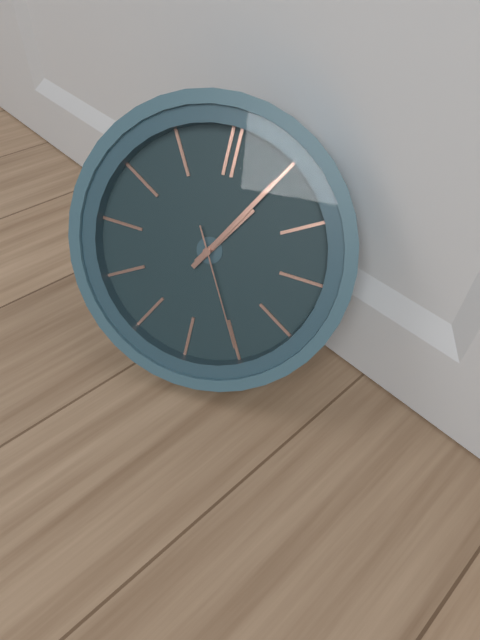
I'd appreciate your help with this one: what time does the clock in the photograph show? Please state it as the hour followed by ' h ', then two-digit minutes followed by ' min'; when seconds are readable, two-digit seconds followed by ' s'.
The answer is 1 h 05 min 25 s
